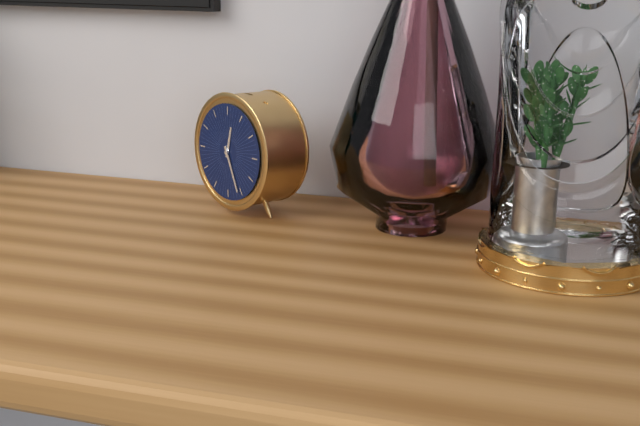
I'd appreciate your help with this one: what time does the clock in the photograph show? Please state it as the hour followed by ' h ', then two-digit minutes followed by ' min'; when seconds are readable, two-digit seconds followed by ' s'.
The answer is 12 h 26 min
